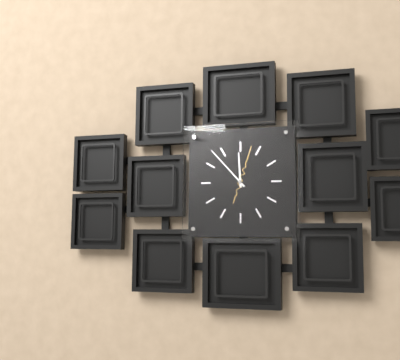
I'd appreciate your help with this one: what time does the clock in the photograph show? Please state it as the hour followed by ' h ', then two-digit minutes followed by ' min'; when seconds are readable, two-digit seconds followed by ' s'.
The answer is 11 h 53 min
